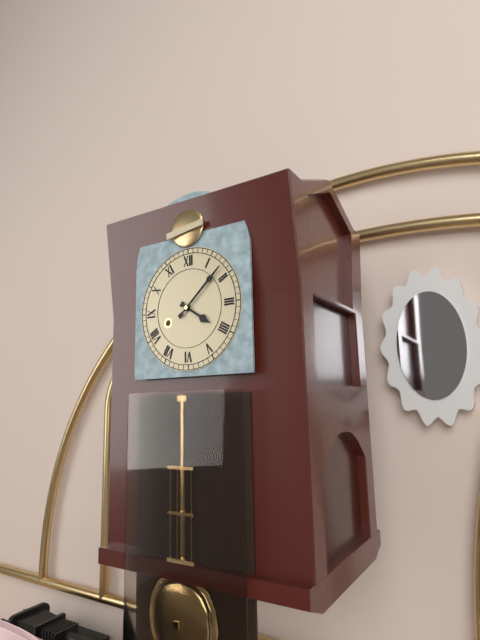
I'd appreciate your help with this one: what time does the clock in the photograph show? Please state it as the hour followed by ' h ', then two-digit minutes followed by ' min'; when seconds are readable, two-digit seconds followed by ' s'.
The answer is 4 h 08 min
